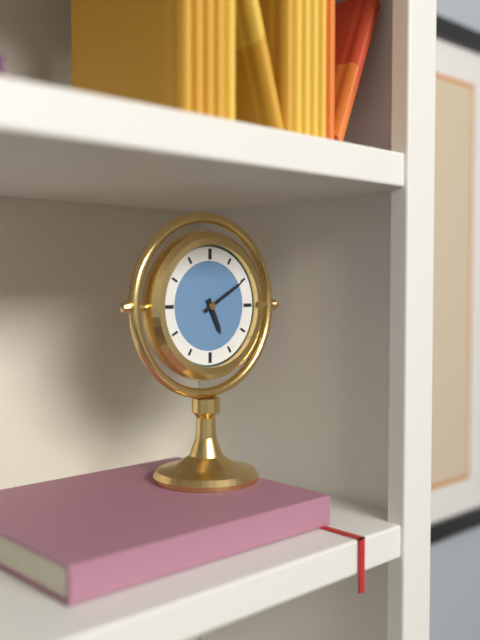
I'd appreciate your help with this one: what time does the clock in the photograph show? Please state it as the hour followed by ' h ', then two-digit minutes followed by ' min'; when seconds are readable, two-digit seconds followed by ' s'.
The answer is 5 h 10 min
